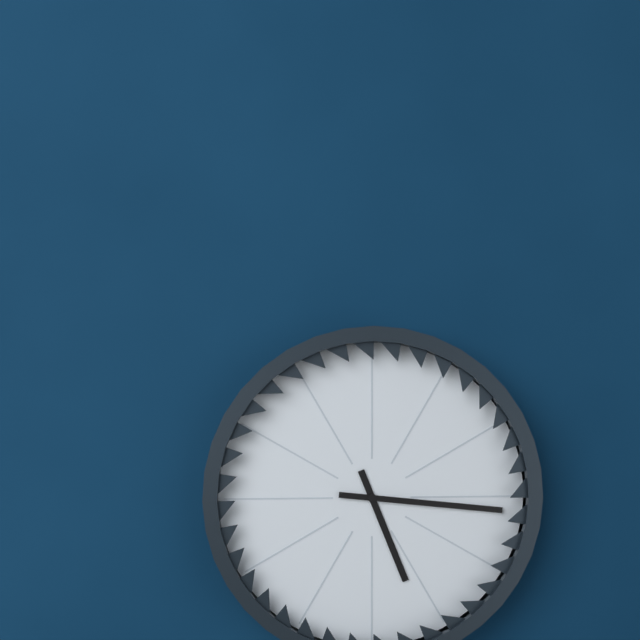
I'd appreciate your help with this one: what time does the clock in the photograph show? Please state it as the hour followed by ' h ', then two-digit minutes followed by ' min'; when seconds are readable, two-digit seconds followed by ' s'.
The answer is 5 h 16 min
